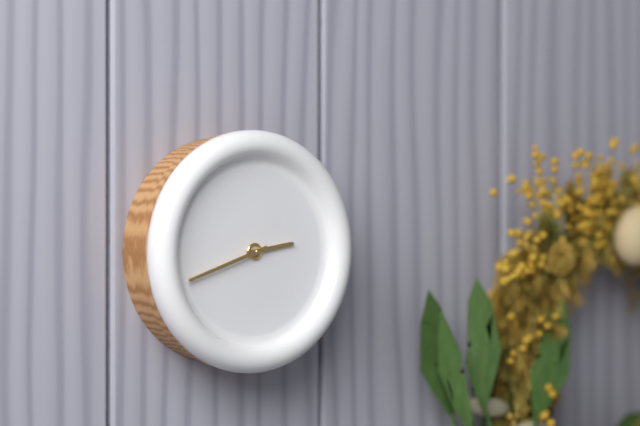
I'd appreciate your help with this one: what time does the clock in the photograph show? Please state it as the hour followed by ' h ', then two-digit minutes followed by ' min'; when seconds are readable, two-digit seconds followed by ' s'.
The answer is 2 h 42 min
